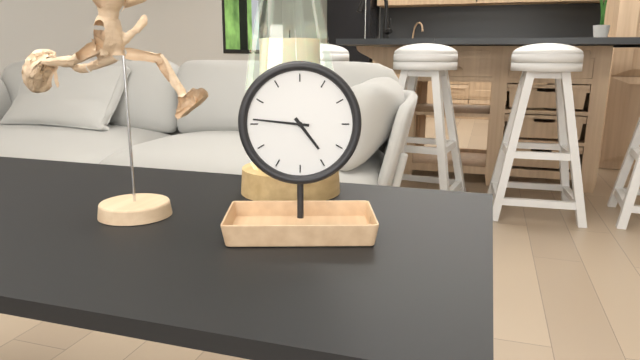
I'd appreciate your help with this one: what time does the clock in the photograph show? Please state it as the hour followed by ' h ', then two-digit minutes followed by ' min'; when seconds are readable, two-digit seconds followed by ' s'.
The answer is 4 h 46 min
